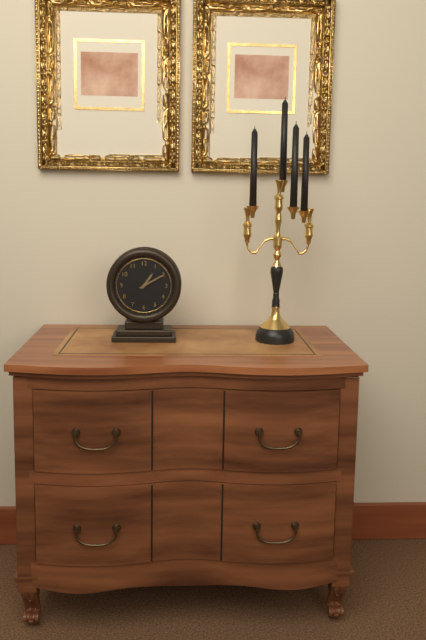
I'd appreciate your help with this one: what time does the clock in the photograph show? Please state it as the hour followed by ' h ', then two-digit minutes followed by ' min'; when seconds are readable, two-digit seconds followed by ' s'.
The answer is 1 h 10 min
